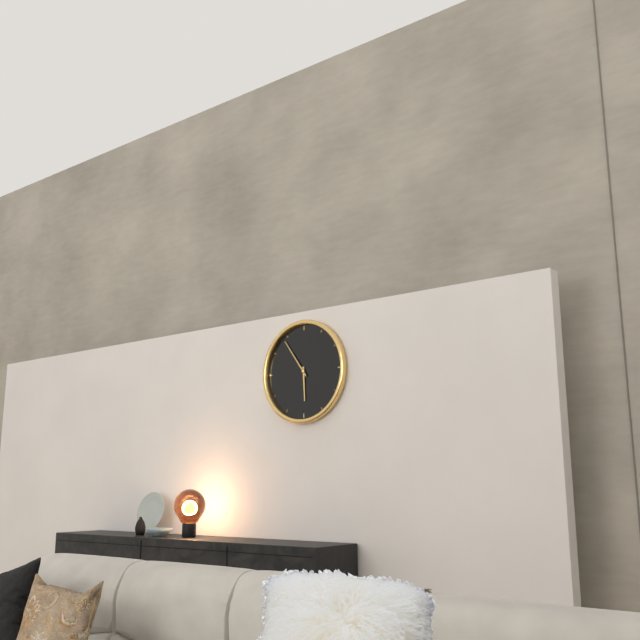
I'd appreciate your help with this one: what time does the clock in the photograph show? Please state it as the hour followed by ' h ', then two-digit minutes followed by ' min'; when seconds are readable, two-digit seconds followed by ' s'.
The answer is 5 h 54 min
